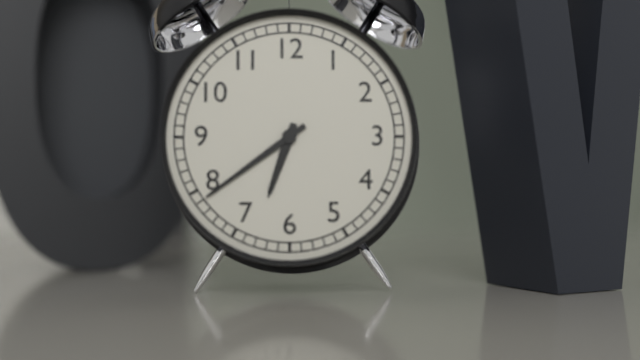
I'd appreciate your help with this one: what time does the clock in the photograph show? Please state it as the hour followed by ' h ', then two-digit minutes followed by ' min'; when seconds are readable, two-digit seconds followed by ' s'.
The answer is 6 h 39 min
